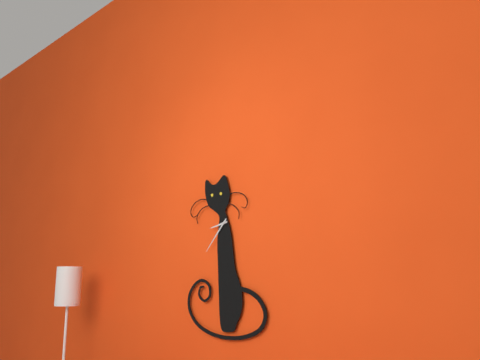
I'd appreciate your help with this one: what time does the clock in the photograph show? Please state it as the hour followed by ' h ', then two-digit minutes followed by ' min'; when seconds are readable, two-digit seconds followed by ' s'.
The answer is 8 h 37 min
